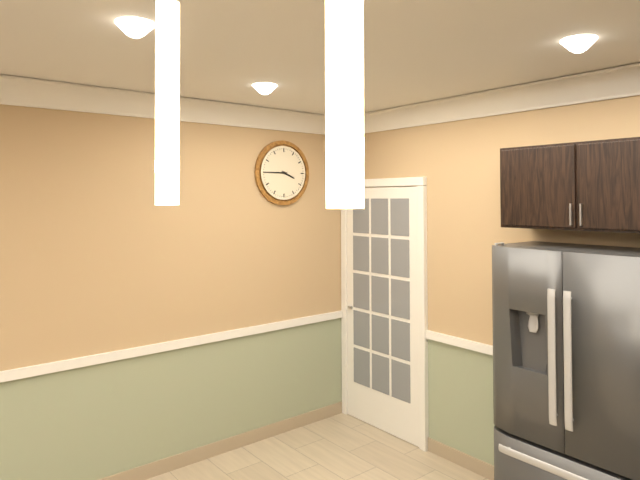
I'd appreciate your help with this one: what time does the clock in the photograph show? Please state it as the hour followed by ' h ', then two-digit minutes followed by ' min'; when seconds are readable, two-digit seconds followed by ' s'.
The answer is 3 h 45 min
